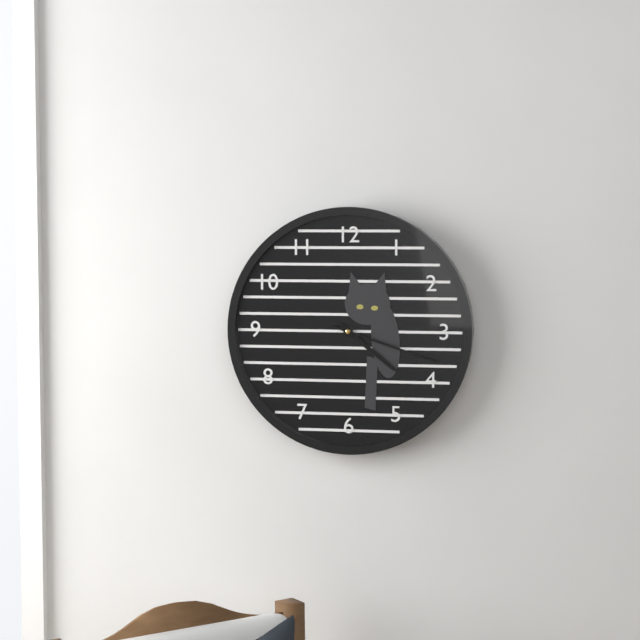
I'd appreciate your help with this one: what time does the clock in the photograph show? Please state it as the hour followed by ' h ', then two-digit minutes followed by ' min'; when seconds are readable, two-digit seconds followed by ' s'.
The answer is 4 h 18 min
